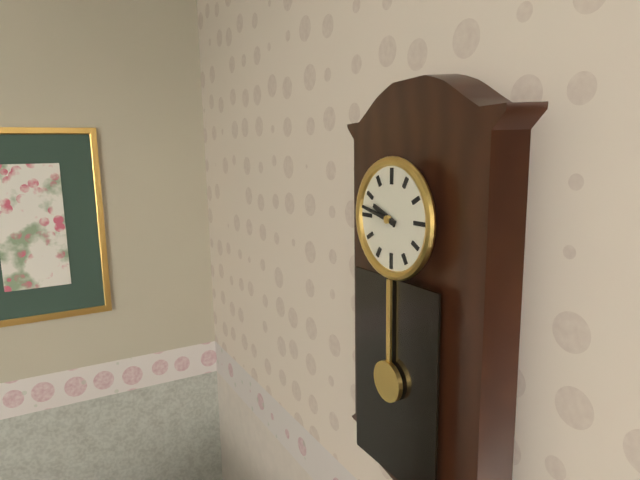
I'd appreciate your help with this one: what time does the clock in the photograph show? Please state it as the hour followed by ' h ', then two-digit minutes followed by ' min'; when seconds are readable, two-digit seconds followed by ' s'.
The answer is 9 h 47 min
